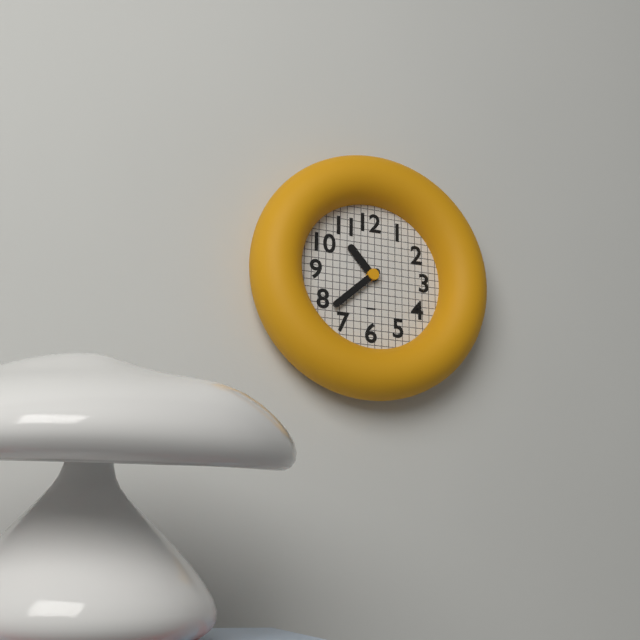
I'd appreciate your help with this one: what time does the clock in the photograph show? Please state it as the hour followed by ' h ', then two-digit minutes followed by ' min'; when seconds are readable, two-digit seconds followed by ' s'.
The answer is 10 h 38 min
